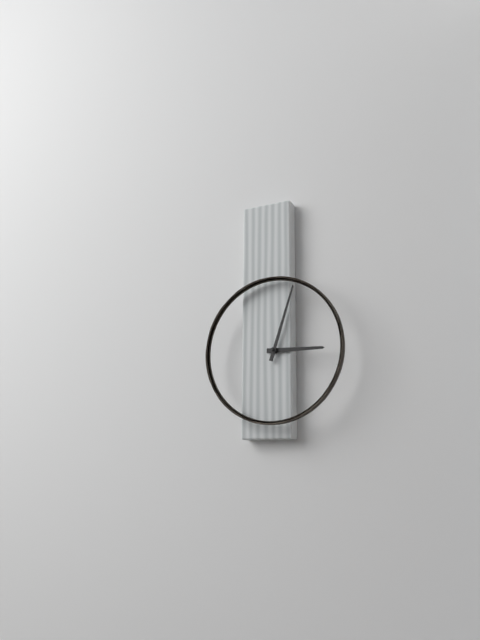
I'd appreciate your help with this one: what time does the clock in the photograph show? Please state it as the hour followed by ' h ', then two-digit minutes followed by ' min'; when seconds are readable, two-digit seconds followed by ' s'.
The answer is 3 h 03 min
